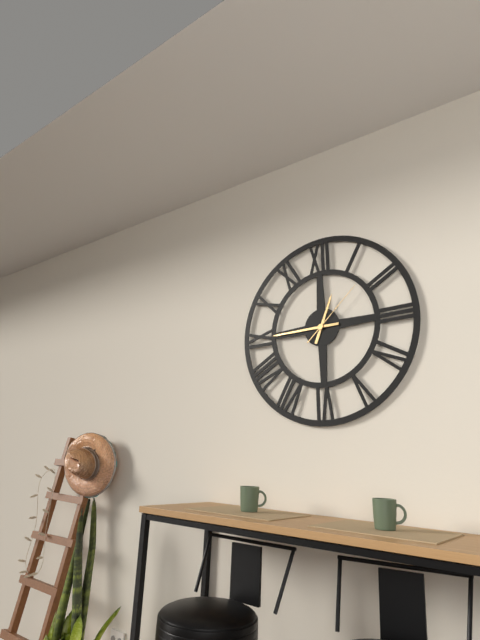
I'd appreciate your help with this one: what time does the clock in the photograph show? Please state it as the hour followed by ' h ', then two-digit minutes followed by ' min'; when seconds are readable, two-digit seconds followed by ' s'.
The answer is 12 h 45 min 08 s
